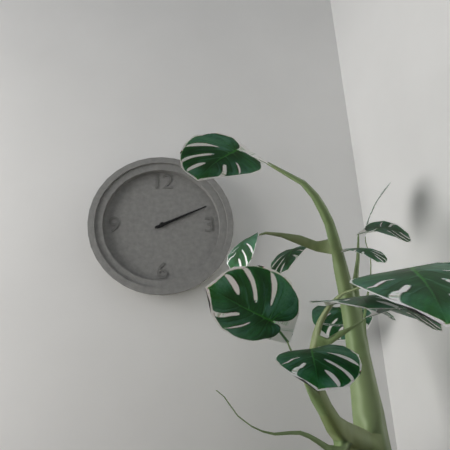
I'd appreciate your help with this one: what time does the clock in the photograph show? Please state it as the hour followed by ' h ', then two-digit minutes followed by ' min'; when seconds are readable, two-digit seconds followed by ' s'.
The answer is 2 h 11 min
